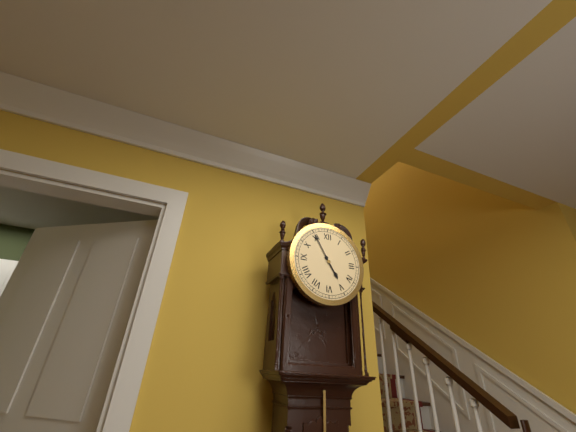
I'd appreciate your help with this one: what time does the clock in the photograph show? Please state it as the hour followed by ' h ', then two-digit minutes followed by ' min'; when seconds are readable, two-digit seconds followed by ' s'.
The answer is 4 h 55 min
